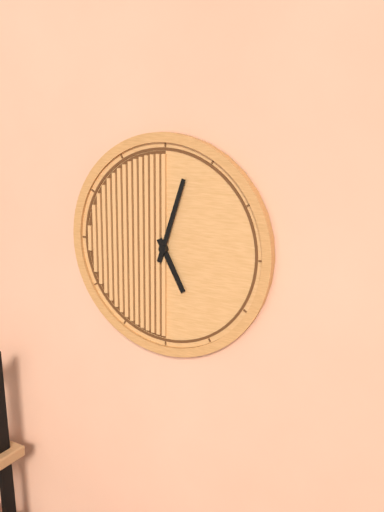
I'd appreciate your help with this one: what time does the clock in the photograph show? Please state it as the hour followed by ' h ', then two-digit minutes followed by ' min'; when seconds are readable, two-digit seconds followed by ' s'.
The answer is 5 h 03 min
